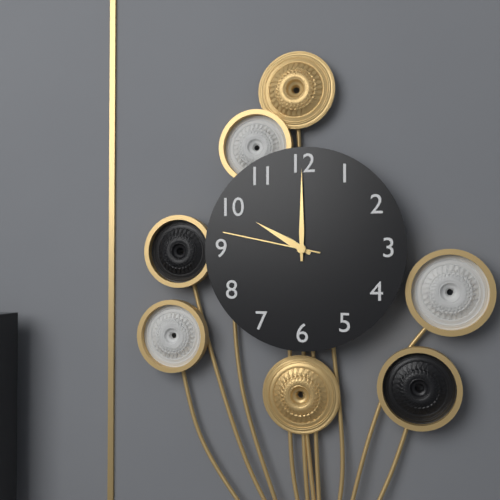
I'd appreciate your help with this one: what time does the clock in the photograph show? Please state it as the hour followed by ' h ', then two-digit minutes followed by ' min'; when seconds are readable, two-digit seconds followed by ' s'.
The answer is 10 h 00 min 47 s
